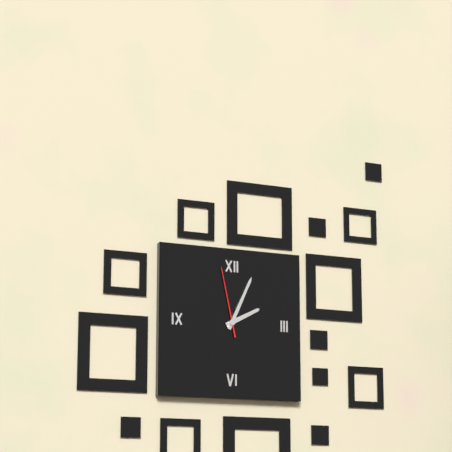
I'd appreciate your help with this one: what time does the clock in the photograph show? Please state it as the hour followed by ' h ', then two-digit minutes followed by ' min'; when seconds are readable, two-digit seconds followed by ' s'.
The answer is 2 h 04 min 58 s
